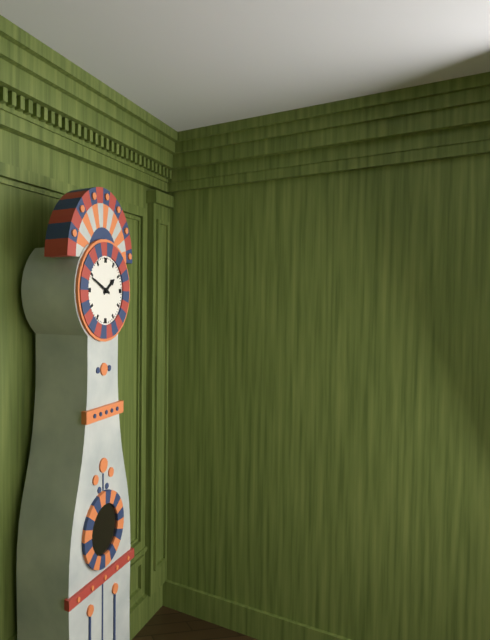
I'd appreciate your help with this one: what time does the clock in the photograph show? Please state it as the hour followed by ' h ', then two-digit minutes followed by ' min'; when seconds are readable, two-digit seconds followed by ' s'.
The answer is 1 h 49 min
